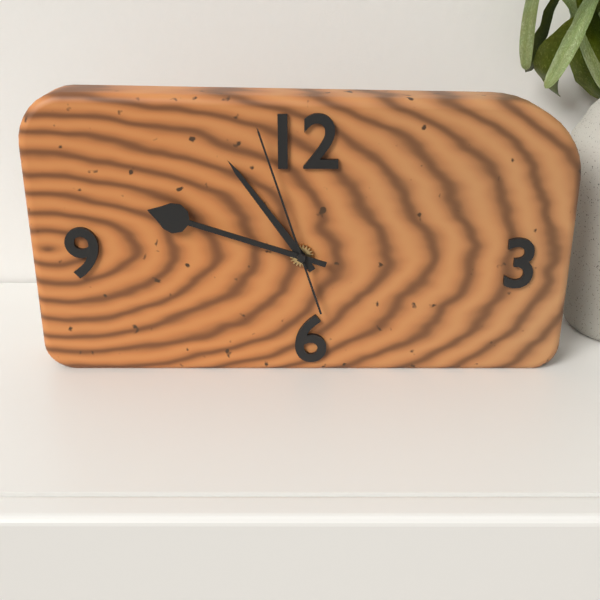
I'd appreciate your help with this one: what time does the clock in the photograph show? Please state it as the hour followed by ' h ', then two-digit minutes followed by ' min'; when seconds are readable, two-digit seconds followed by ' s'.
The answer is 10 h 48 min 57 s
